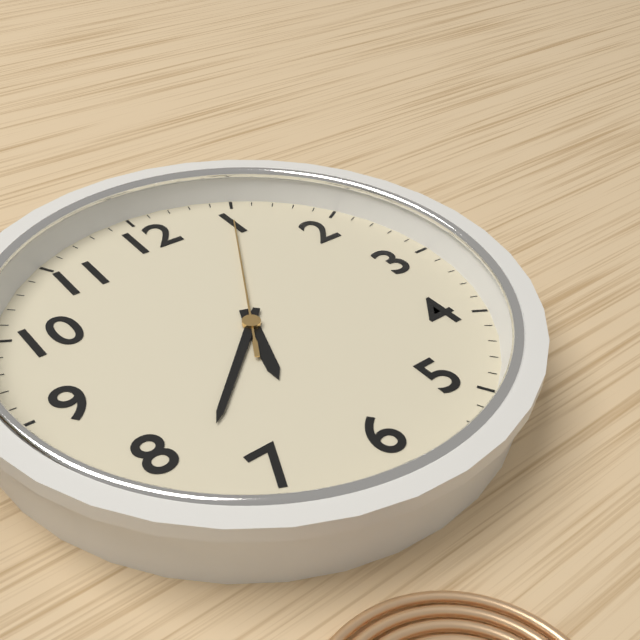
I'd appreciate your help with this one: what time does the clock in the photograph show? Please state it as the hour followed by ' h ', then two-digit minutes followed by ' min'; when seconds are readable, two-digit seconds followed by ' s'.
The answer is 6 h 38 min 05 s
